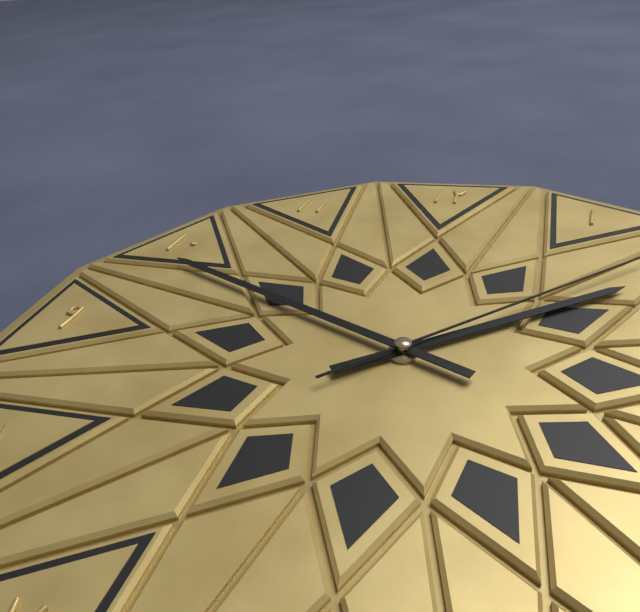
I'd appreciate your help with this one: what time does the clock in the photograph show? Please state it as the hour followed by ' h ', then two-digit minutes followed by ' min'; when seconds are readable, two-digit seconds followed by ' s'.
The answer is 1 h 49 min
